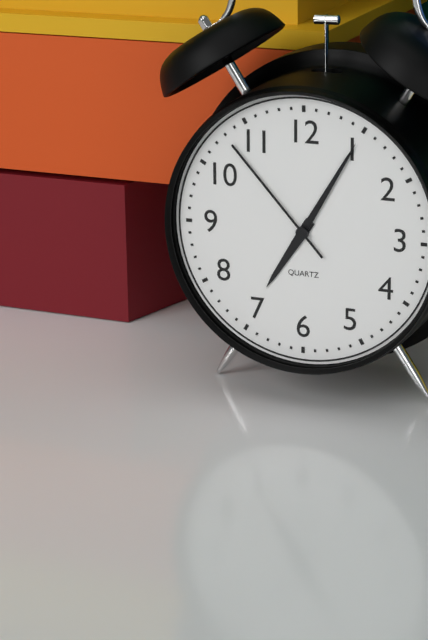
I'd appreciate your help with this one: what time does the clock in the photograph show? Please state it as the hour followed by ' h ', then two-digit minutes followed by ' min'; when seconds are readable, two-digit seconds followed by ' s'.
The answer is 7 h 05 min 53 s
